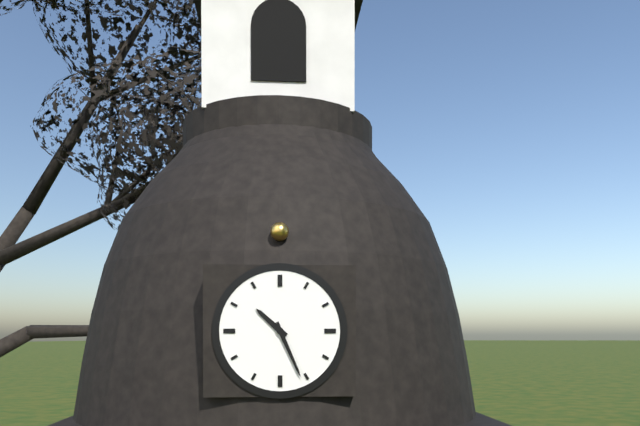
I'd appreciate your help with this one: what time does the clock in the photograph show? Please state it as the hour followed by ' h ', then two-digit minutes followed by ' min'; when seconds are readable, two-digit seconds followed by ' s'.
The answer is 10 h 26 min
